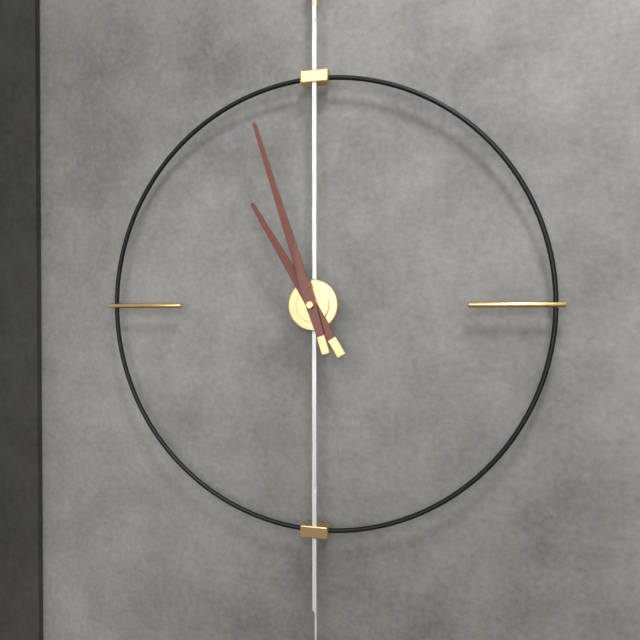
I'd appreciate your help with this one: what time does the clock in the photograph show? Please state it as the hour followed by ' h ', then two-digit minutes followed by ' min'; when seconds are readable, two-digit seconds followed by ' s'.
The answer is 10 h 57 min
